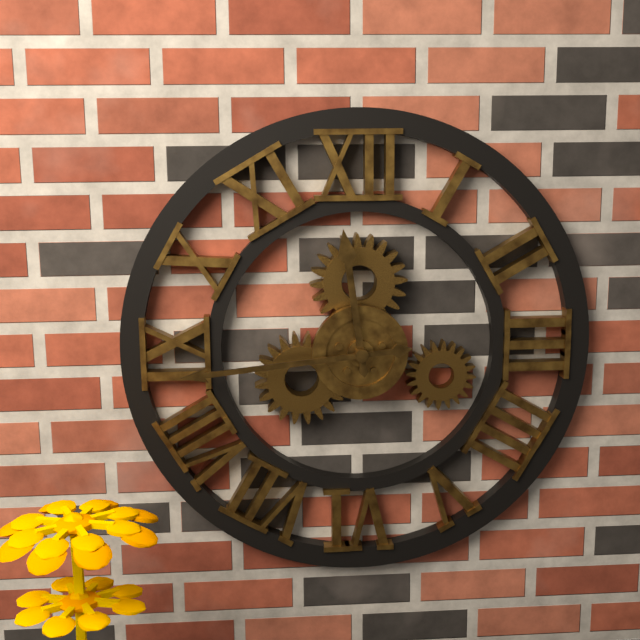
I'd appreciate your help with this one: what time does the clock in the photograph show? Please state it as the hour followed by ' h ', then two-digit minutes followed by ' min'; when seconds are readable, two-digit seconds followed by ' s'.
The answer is 11 h 44 min
